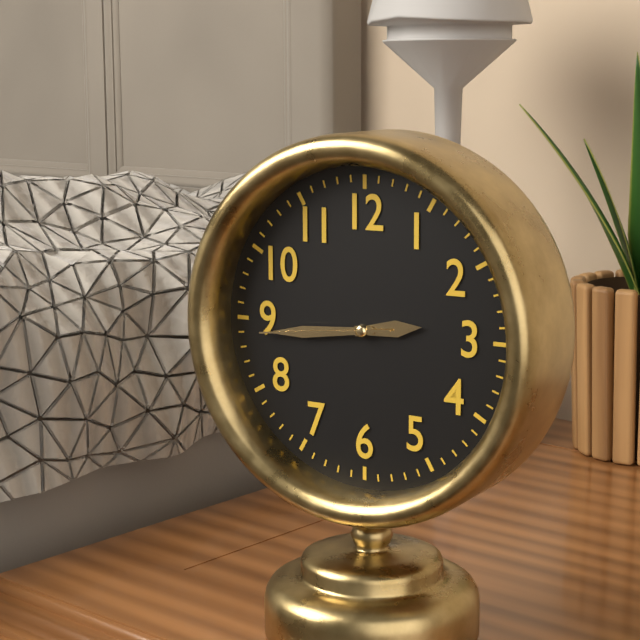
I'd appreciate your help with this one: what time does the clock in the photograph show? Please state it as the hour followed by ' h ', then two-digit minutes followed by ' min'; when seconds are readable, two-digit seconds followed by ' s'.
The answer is 2 h 44 min 44 s
